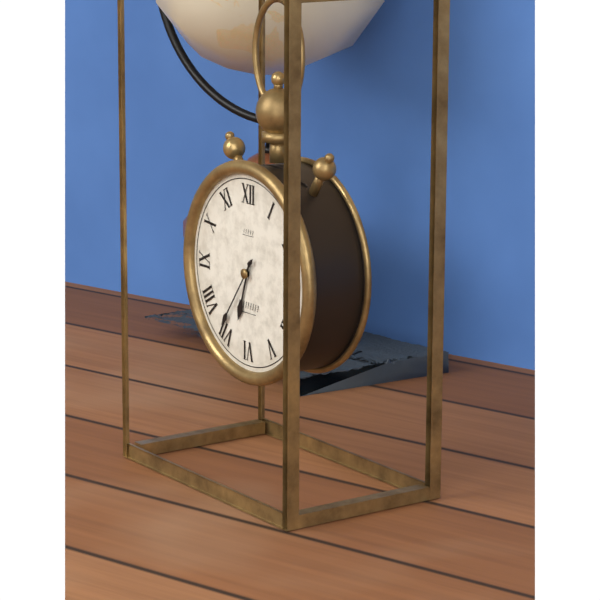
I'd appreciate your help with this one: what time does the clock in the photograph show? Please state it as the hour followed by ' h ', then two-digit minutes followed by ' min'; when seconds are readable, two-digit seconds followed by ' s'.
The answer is 6 h 36 min
